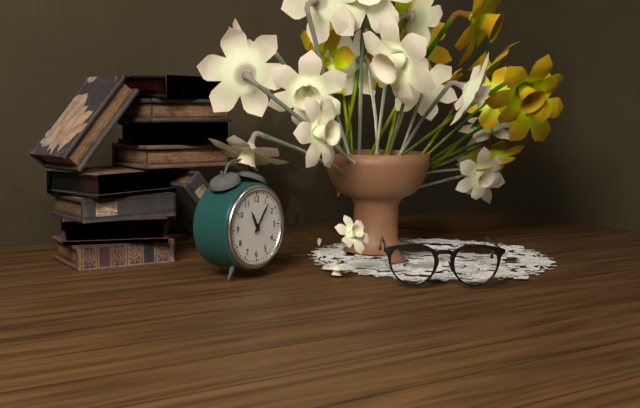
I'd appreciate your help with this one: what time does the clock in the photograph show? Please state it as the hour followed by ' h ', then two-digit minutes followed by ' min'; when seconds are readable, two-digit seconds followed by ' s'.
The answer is 11 h 06 min
